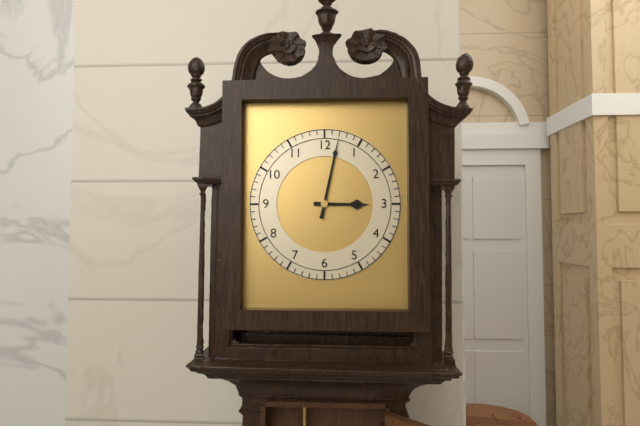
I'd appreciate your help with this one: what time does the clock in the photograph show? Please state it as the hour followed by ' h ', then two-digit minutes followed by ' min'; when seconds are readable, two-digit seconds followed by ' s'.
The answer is 3 h 02 min
